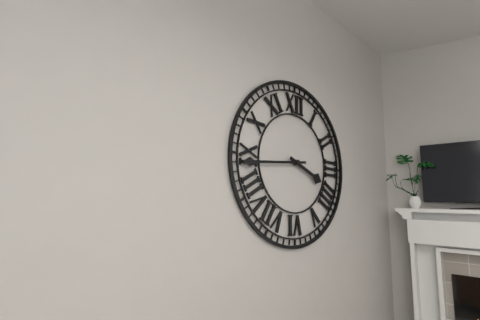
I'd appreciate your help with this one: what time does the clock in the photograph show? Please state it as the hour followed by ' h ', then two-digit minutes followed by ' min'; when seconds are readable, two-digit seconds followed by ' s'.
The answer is 3 h 44 min
